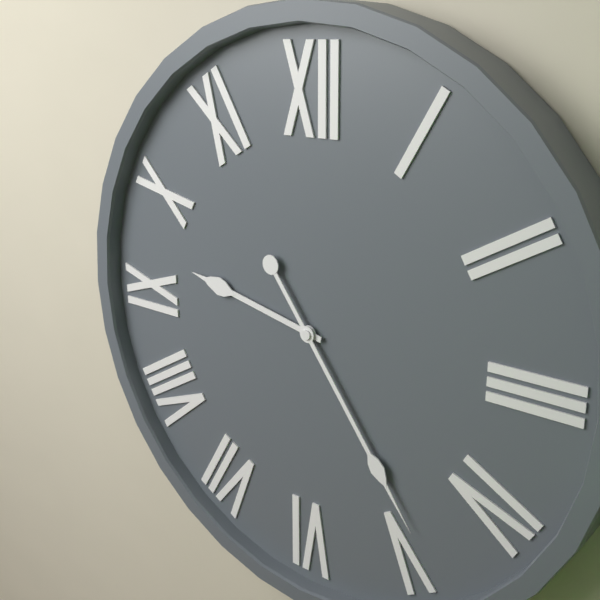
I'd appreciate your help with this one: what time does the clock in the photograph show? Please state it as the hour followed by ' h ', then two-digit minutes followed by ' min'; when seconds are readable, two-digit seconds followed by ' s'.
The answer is 9 h 24 min
